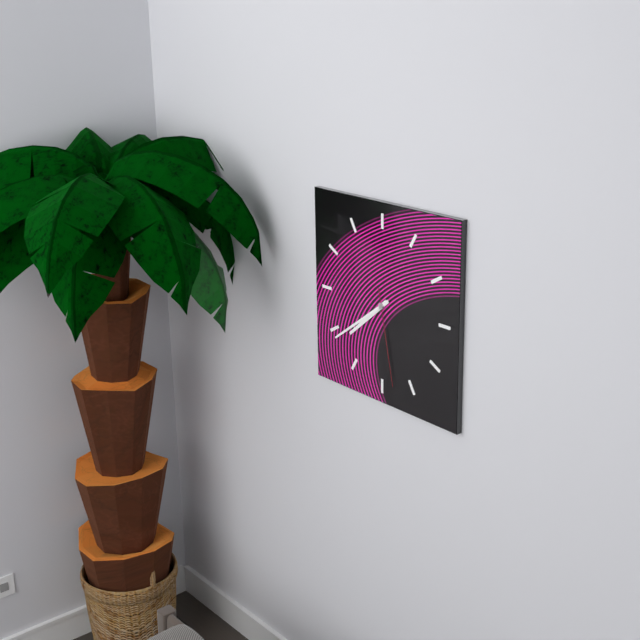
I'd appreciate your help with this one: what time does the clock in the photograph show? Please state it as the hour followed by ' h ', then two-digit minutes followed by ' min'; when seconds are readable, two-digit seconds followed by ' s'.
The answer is 7 h 39 min 28 s
